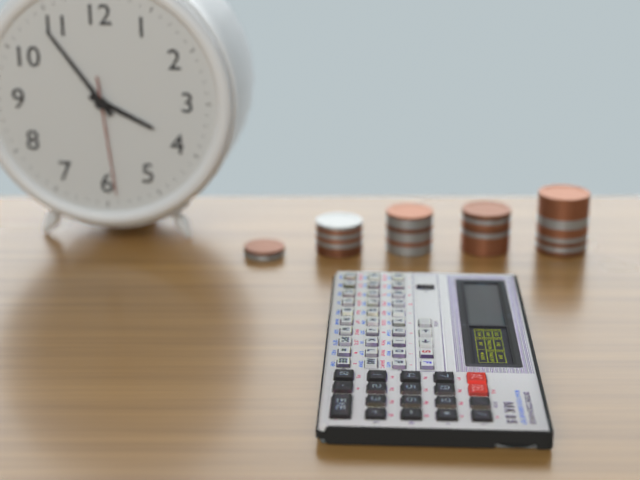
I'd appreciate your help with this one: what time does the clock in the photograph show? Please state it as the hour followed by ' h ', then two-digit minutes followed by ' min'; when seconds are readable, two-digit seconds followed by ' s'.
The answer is 3 h 54 min 29 s
